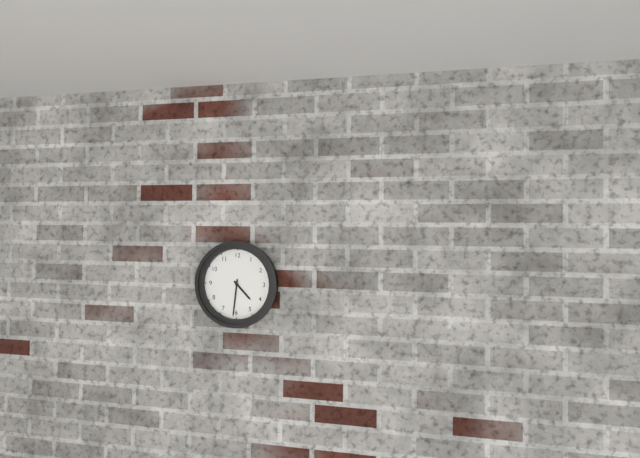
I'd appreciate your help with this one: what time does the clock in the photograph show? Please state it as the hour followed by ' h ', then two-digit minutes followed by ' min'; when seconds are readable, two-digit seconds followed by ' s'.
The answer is 4 h 31 min
